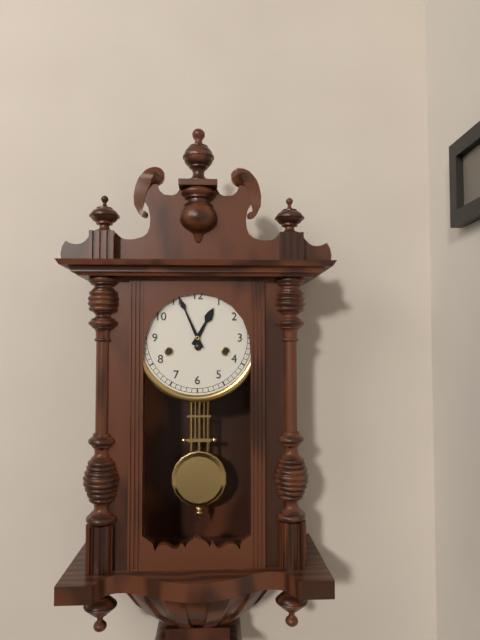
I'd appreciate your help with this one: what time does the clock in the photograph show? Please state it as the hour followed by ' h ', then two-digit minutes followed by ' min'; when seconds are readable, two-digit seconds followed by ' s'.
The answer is 12 h 56 min
